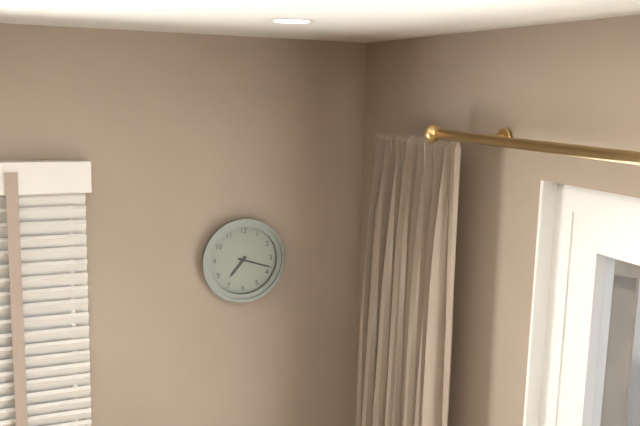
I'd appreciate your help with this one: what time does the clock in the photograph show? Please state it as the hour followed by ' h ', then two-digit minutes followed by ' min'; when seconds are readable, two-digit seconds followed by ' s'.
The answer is 7 h 18 min
